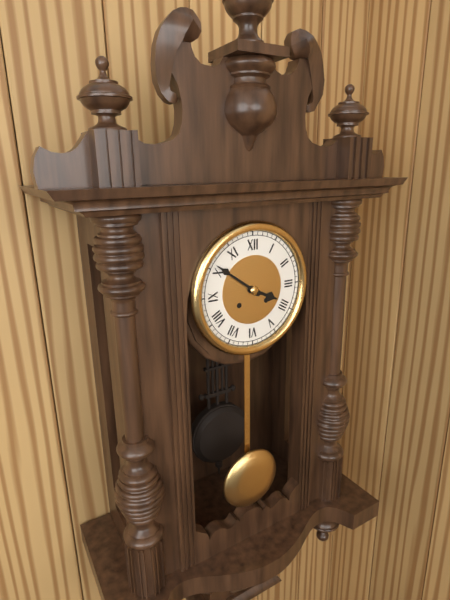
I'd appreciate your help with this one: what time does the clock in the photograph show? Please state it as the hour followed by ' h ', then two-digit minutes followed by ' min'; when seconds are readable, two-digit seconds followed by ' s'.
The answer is 3 h 51 min
